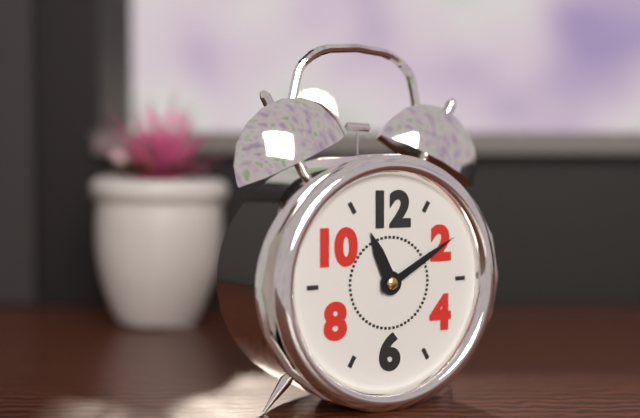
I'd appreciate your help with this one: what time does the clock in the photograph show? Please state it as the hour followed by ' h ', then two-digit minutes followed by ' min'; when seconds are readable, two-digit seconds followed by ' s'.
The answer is 11 h 10 min
